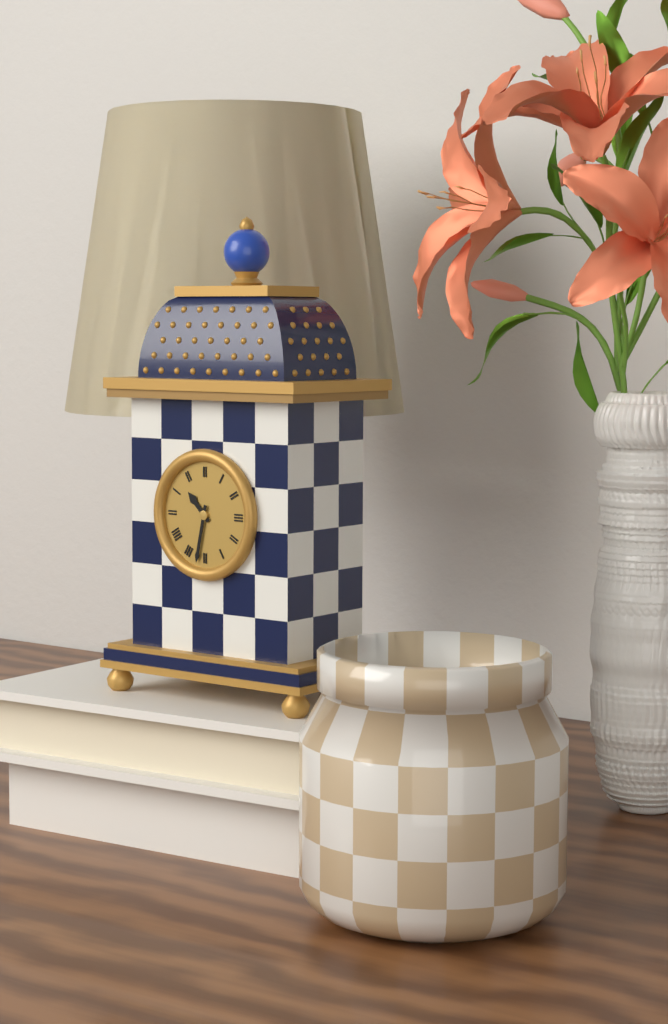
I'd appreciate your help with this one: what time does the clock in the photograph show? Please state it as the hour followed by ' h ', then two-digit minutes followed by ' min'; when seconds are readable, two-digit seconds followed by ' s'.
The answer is 10 h 32 min
